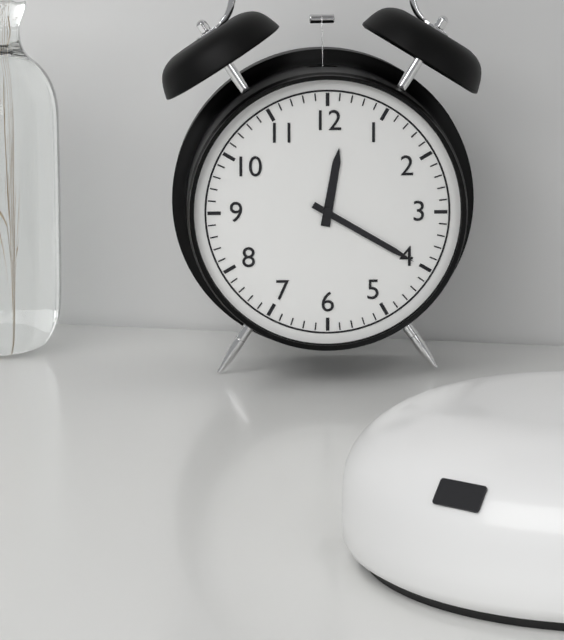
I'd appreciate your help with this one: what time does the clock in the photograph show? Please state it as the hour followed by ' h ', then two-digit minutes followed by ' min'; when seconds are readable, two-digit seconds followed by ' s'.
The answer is 12 h 20 min
